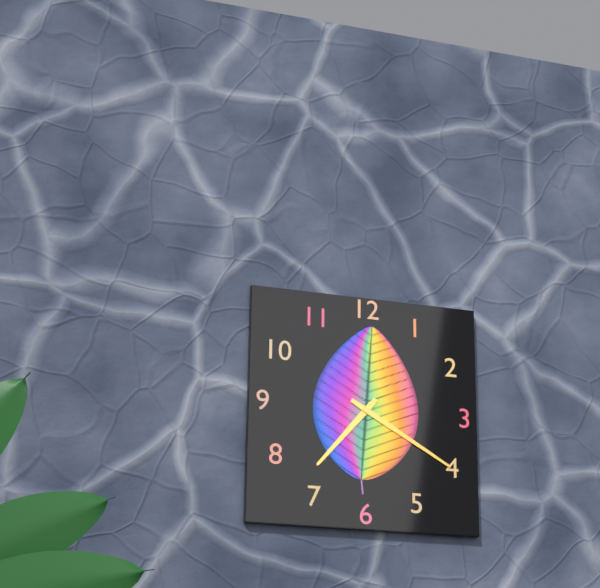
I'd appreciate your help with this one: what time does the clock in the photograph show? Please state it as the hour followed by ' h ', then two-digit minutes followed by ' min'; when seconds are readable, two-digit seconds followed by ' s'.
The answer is 7 h 20 min
